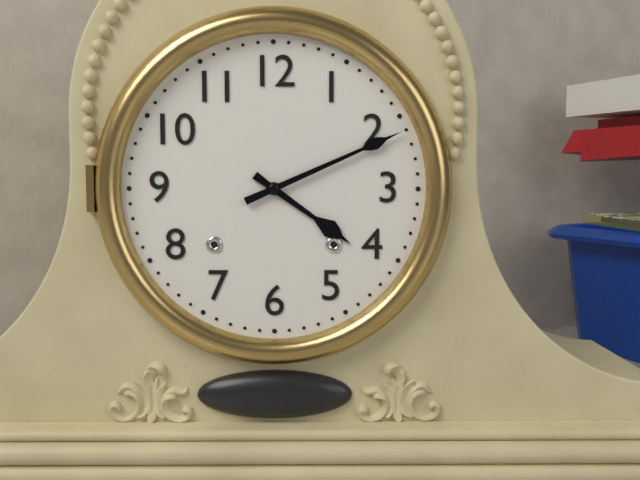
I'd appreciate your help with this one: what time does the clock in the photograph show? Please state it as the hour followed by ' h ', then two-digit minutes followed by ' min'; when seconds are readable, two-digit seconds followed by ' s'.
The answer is 4 h 11 min
